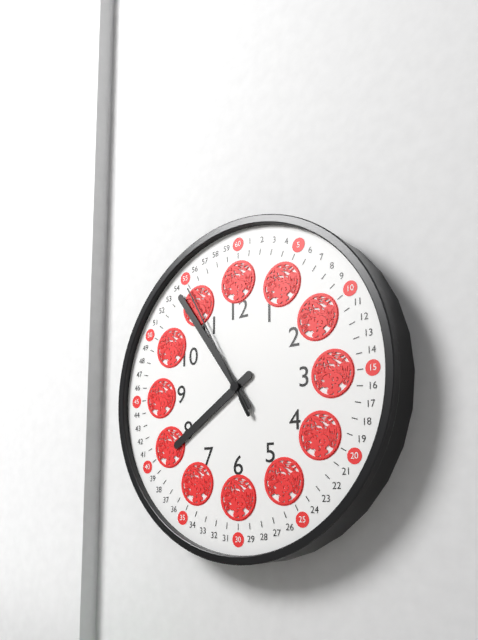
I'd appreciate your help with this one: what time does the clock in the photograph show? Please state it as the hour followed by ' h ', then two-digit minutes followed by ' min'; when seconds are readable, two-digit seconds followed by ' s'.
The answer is 7 h 54 min 55 s
